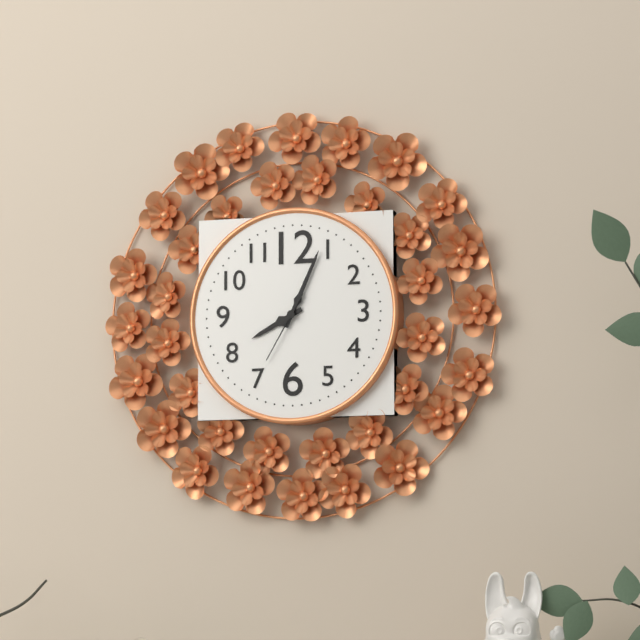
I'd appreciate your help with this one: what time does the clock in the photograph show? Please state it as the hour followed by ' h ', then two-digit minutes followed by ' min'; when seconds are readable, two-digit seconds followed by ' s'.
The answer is 8 h 04 min 35 s
